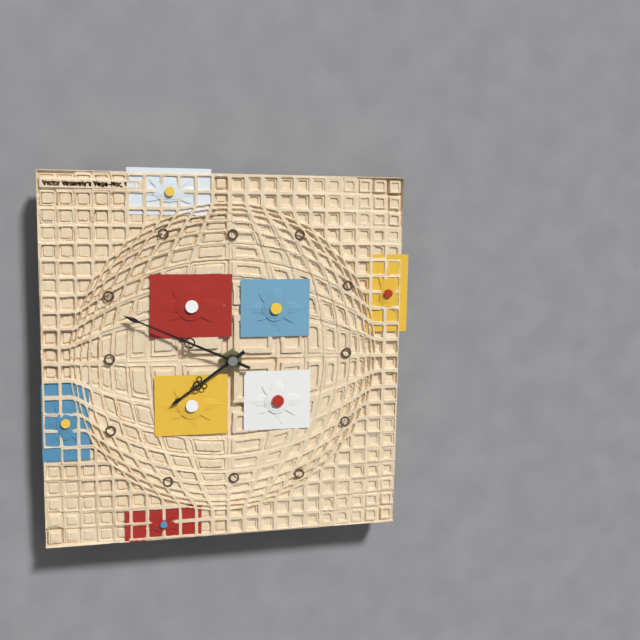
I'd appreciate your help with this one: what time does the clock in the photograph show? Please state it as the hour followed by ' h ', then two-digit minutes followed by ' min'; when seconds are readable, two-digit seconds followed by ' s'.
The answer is 7 h 49 min
